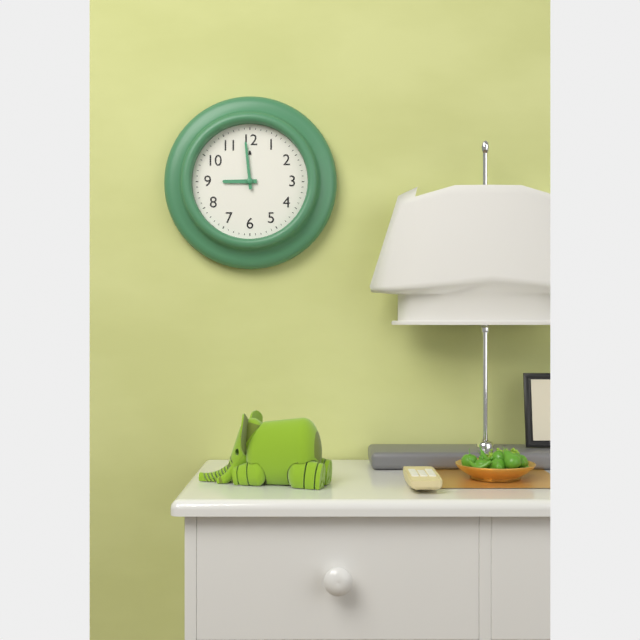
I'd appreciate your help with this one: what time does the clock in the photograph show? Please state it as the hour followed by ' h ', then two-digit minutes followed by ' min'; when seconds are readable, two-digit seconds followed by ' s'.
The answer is 8 h 59 min
